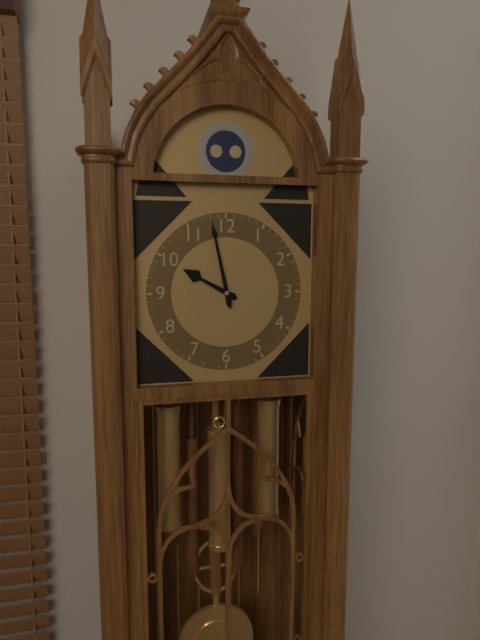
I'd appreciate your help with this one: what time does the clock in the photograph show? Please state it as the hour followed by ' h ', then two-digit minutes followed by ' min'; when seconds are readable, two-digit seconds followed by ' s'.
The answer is 9 h 58 min
